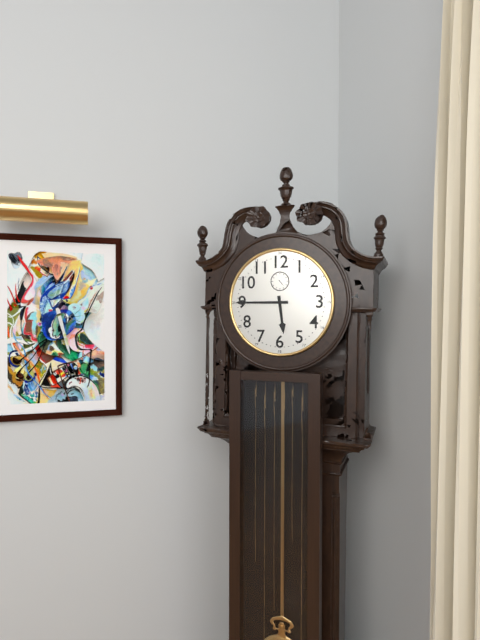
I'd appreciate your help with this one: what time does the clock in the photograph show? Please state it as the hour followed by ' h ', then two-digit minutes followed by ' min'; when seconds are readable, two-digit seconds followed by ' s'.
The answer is 5 h 45 min
